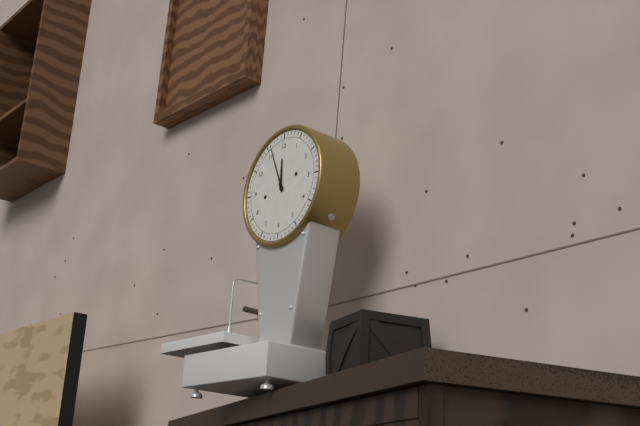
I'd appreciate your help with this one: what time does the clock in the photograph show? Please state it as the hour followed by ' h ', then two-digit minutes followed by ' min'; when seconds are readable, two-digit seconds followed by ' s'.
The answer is 11 h 56 min
